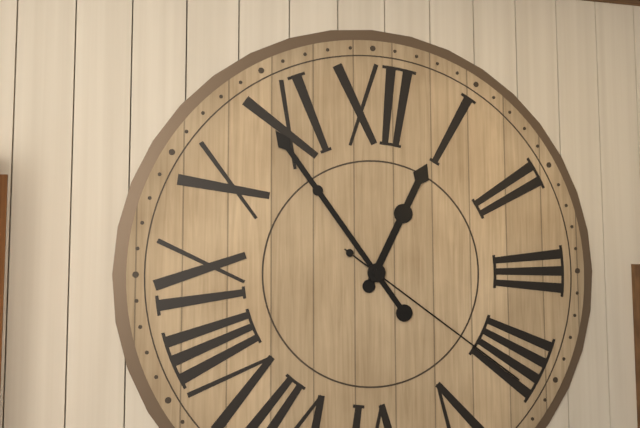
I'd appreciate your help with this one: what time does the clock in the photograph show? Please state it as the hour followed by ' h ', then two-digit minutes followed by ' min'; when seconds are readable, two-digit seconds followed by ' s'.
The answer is 12 h 54 min 21 s
